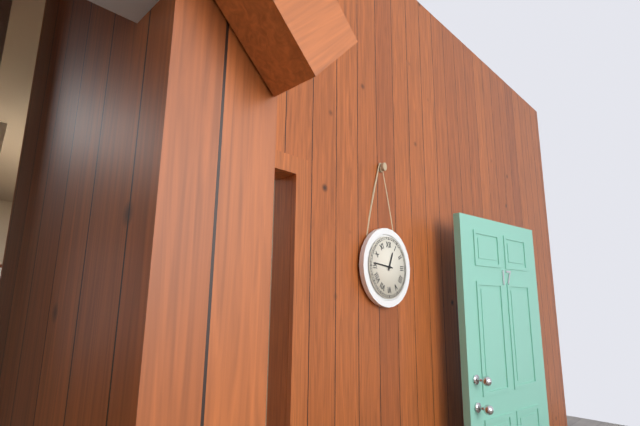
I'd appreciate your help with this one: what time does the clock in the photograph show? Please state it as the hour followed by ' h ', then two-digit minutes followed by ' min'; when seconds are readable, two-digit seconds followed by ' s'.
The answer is 12 h 46 min
